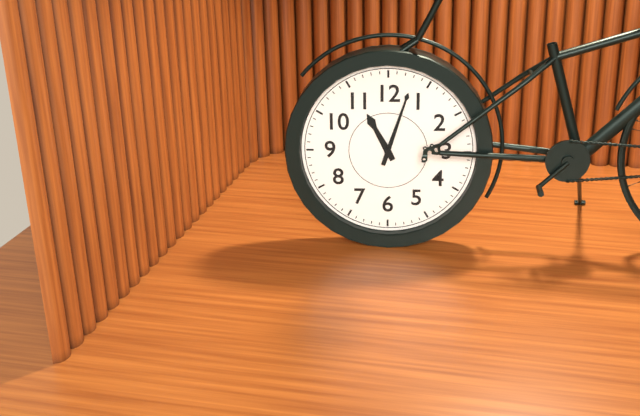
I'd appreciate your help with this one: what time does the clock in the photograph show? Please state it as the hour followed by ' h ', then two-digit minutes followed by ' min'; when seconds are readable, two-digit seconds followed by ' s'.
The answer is 11 h 03 min
